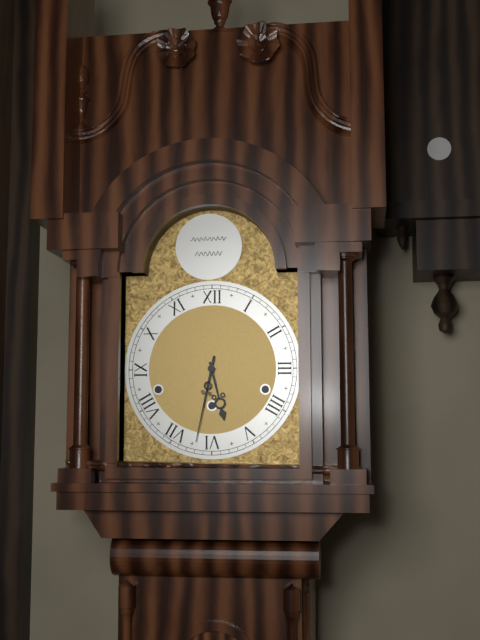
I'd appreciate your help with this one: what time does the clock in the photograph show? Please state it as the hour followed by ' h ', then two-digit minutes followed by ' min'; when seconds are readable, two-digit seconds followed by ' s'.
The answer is 5 h 32 min
